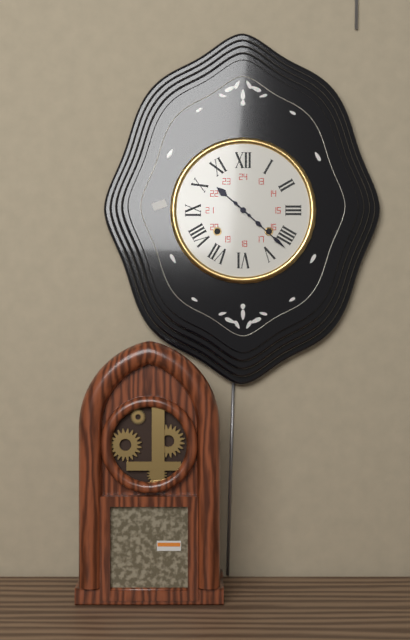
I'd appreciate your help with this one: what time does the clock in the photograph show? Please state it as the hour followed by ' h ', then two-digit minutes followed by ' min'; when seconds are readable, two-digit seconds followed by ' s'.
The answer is 10 h 22 min
